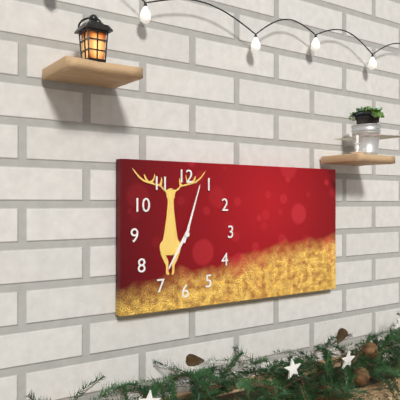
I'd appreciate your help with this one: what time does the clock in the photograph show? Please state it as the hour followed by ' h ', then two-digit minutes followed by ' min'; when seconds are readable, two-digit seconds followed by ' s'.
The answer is 7 h 03 min
